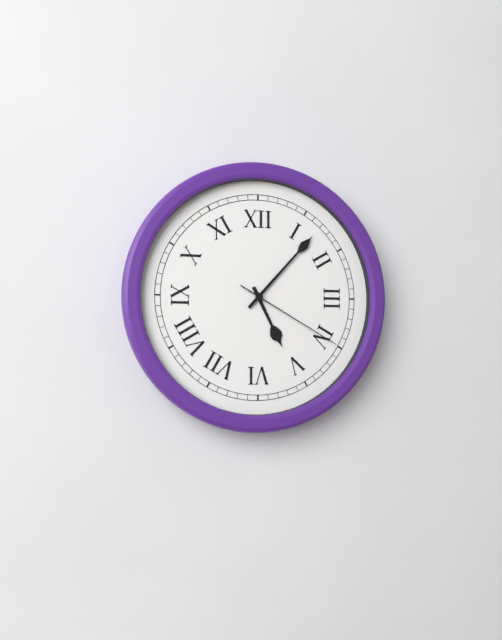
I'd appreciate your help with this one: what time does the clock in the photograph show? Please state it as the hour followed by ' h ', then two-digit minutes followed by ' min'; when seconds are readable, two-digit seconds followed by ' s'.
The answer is 5 h 07 min 20 s
